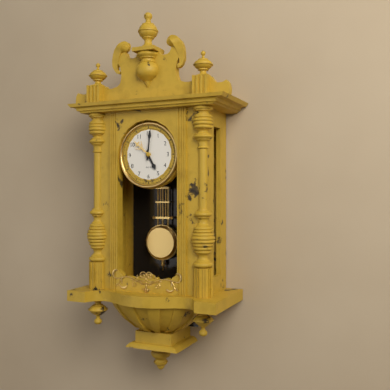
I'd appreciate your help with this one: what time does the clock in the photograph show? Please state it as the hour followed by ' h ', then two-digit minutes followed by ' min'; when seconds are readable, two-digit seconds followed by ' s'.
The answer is 5 h 01 min
